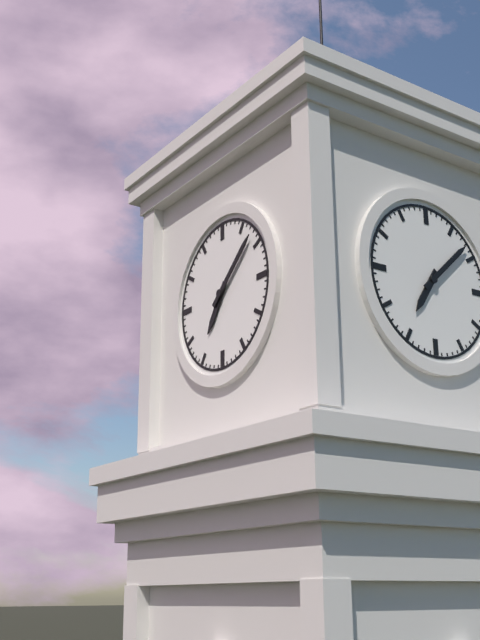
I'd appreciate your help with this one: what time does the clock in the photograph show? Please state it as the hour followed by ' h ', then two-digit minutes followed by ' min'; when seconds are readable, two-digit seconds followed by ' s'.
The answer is 7 h 08 min
